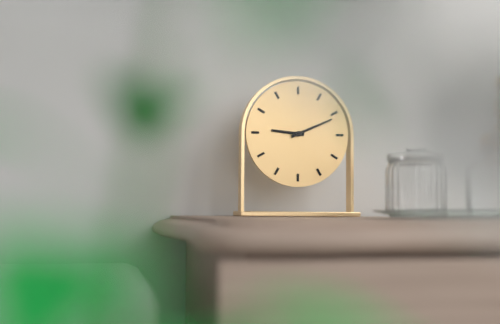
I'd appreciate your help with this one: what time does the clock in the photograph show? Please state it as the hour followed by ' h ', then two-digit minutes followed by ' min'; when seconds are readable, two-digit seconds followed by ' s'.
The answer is 9 h 11 min
